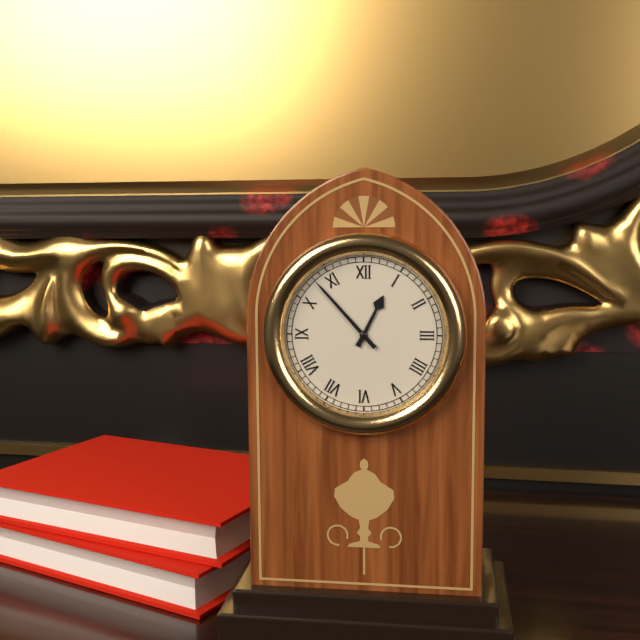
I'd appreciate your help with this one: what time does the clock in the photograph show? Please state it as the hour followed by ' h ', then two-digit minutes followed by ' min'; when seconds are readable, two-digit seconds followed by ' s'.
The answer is 12 h 53 min
